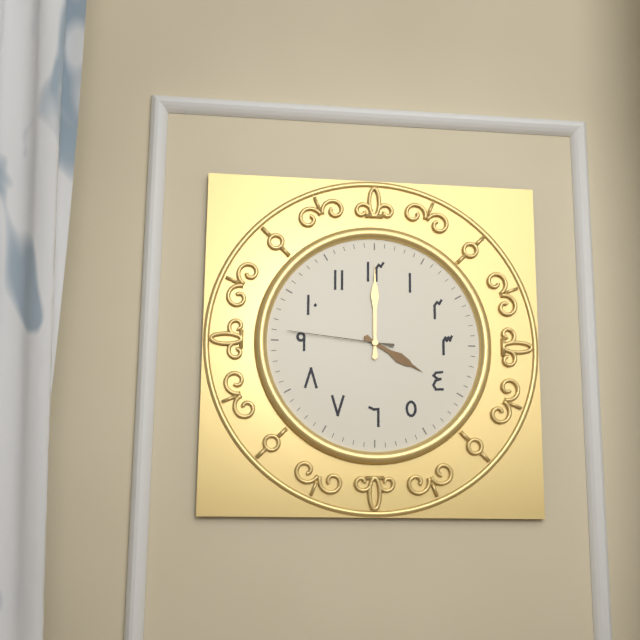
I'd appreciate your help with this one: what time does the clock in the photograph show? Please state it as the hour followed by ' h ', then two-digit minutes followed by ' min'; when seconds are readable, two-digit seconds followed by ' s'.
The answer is 4 h 00 min 46 s
